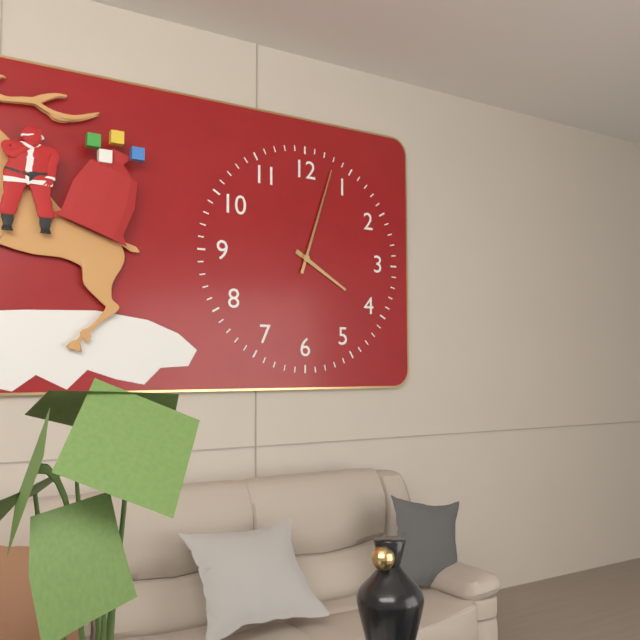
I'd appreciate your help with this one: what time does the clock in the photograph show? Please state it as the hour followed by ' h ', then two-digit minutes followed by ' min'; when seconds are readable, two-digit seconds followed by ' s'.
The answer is 4 h 03 min
